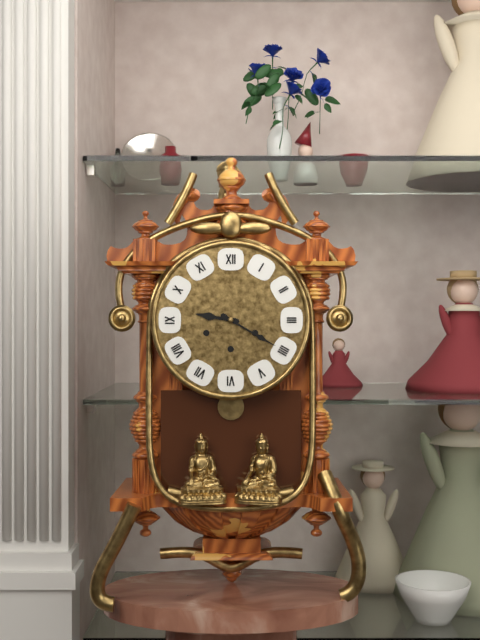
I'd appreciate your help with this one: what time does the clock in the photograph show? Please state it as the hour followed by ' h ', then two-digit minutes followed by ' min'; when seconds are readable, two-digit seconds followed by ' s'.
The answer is 9 h 20 min
